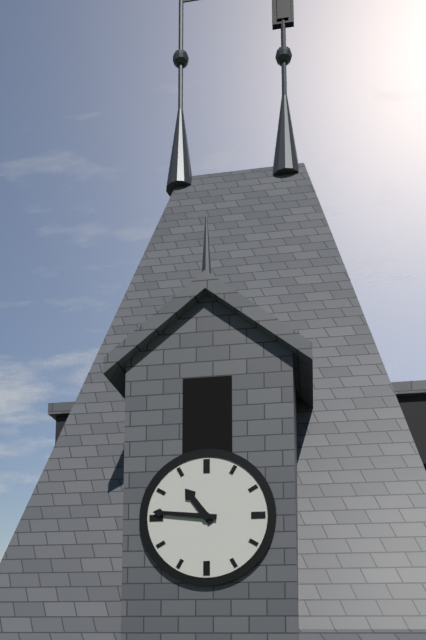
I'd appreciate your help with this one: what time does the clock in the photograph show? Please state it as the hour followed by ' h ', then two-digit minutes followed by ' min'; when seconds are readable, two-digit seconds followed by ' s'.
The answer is 10 h 46 min
